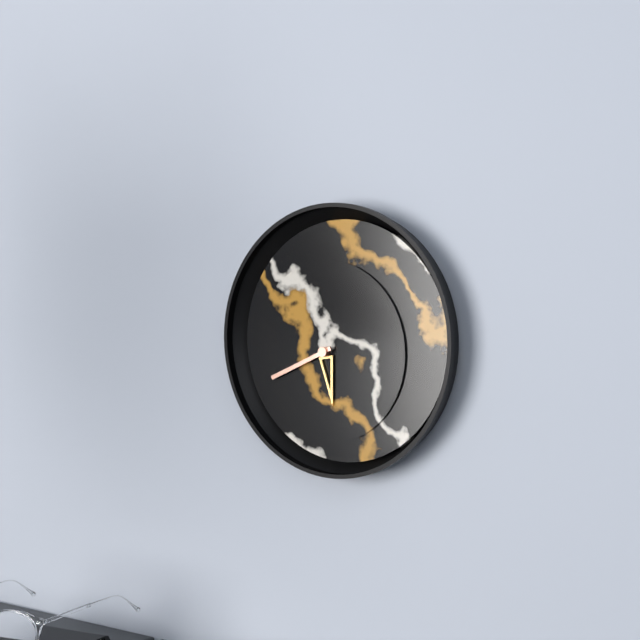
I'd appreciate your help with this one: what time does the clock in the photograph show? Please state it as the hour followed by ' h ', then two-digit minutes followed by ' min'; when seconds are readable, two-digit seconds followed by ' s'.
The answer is 5 h 41 min
